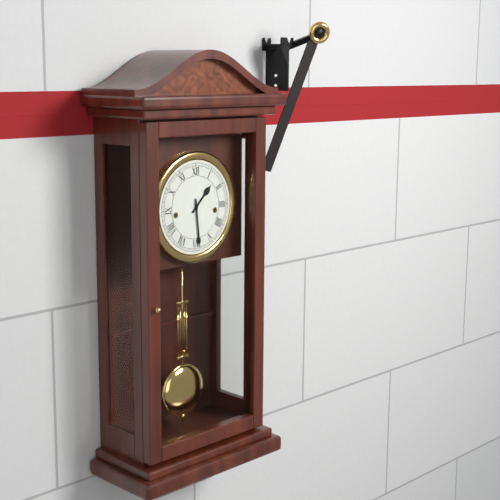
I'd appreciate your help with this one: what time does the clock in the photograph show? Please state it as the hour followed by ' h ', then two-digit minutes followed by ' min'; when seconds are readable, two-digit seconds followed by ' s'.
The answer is 1 h 29 min
